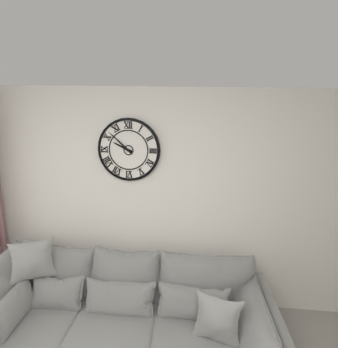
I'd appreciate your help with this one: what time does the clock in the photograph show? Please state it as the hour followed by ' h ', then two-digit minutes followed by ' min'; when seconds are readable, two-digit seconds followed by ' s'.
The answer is 9 h 52 min
